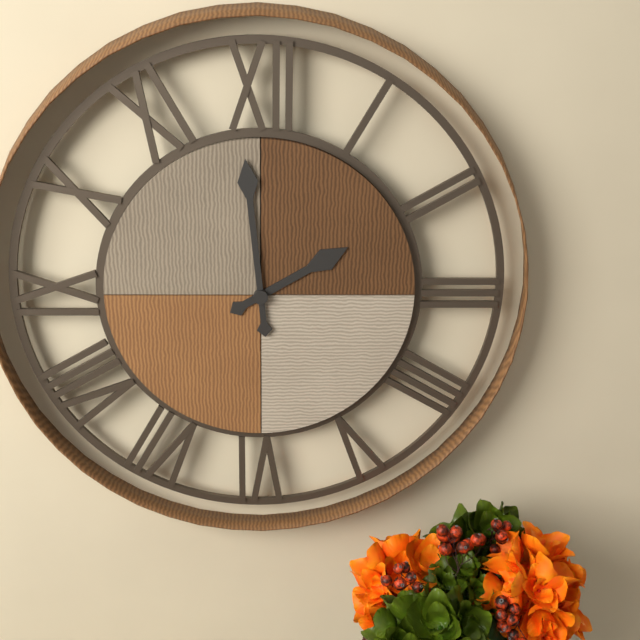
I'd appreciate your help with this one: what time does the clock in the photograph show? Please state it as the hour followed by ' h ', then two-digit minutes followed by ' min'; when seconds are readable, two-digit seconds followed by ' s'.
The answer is 1 h 59 min
